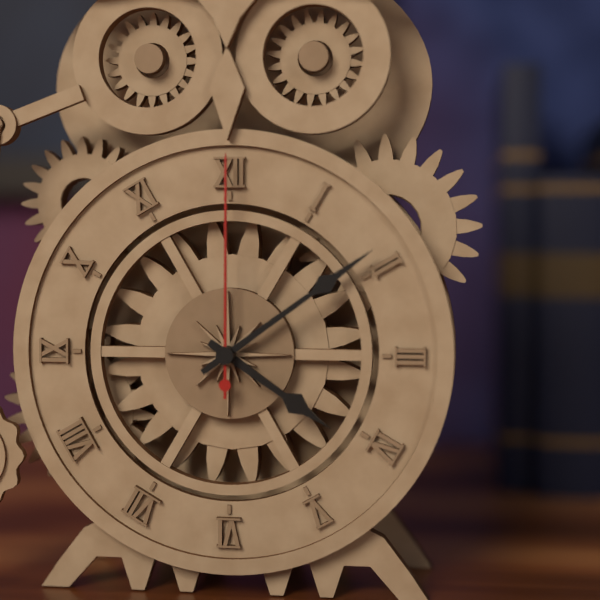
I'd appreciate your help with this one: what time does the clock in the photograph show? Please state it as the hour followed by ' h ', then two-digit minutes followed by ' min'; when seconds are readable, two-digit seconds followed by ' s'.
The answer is 4 h 09 min 00 s
